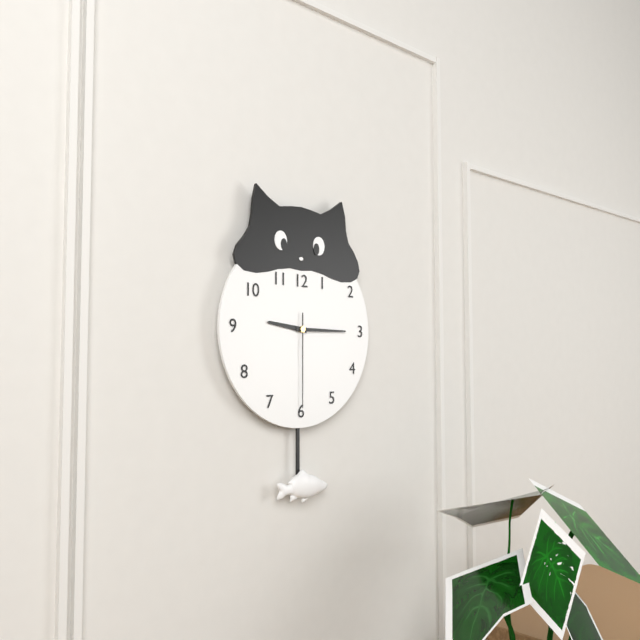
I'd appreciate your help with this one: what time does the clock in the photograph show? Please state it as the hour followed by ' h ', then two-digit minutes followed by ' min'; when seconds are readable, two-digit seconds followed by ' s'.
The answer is 9 h 15 min 30 s
